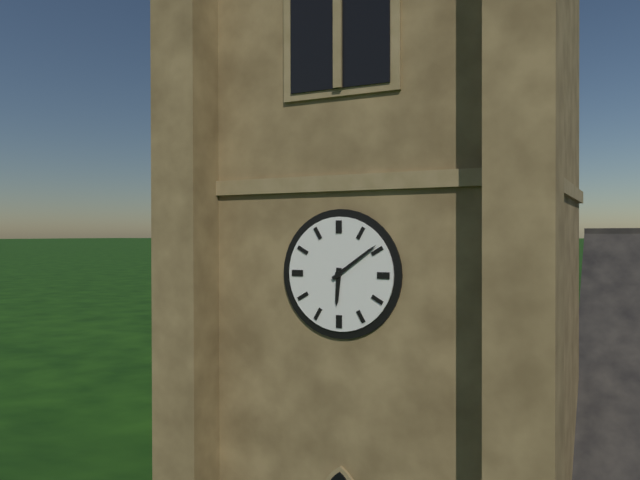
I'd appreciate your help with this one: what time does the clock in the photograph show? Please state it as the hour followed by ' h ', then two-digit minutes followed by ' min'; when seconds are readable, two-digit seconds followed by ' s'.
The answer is 6 h 09 min
